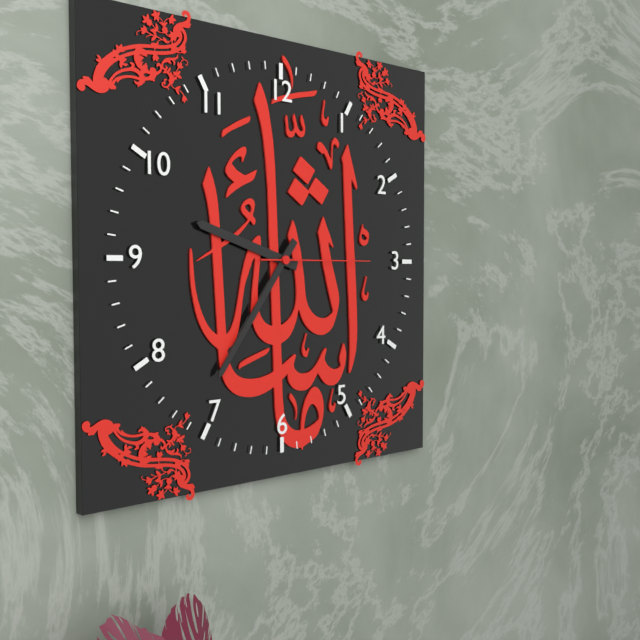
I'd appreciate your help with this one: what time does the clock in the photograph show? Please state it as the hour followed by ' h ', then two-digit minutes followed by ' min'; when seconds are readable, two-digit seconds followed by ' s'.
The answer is 9 h 36 min 15 s
